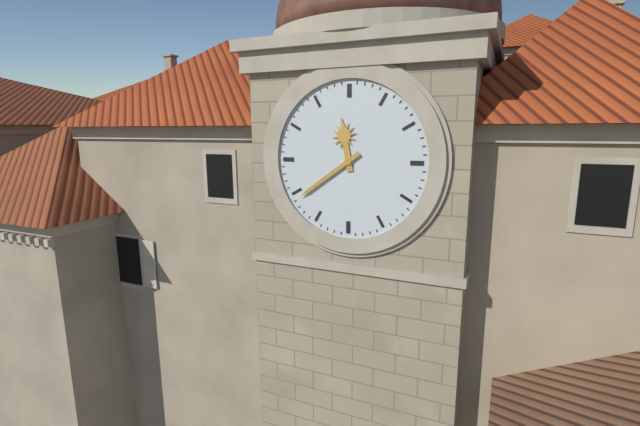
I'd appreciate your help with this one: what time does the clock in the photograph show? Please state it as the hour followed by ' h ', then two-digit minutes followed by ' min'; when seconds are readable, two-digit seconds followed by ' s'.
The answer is 11 h 39 min
